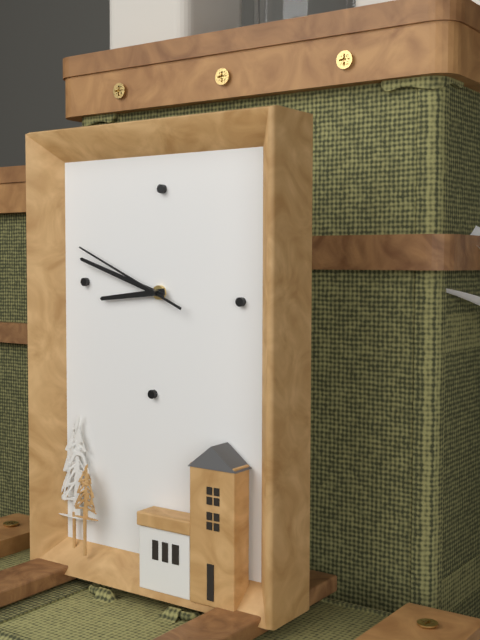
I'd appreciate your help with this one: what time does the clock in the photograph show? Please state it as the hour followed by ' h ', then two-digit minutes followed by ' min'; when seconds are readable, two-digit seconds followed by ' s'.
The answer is 8 h 48 min 49 s
